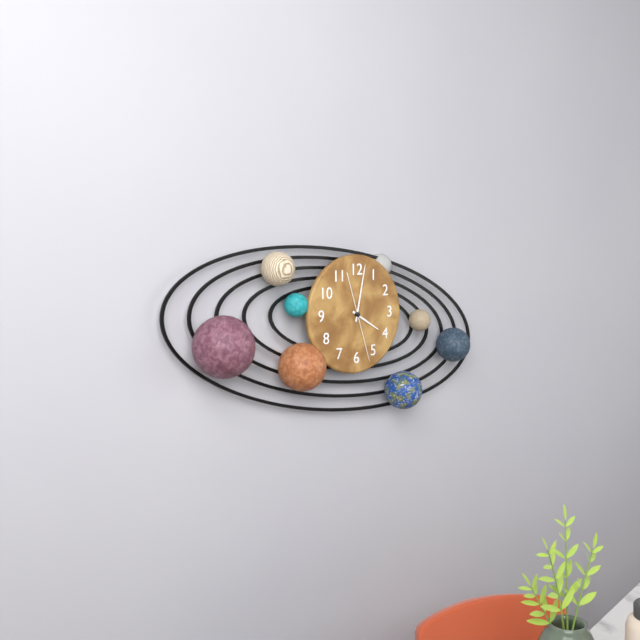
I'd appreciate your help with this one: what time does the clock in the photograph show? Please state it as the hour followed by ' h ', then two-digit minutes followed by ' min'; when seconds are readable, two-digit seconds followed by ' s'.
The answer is 4 h 02 min 27 s
